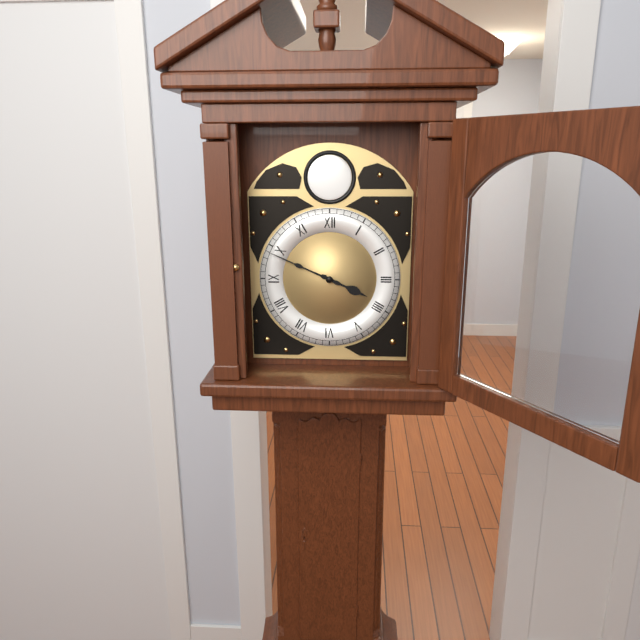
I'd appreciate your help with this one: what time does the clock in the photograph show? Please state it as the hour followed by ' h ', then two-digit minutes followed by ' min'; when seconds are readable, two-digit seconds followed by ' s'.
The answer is 3 h 49 min
